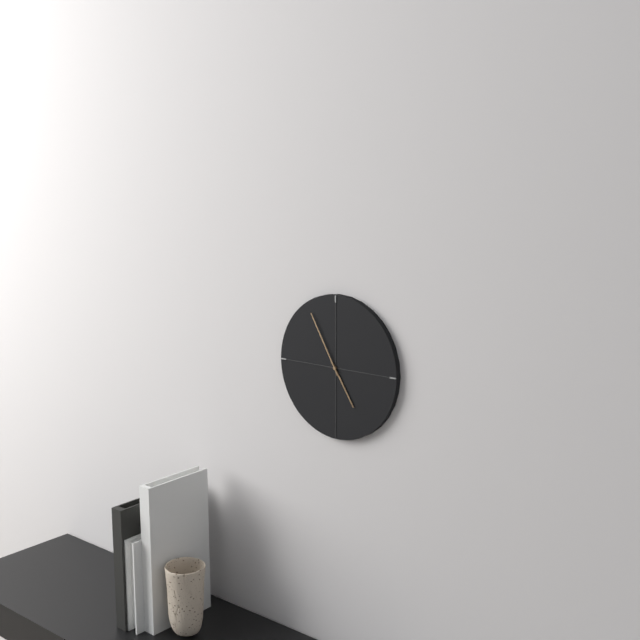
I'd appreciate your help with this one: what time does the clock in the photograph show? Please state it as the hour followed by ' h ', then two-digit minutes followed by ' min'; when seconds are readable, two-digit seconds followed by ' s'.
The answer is 4 h 55 min
